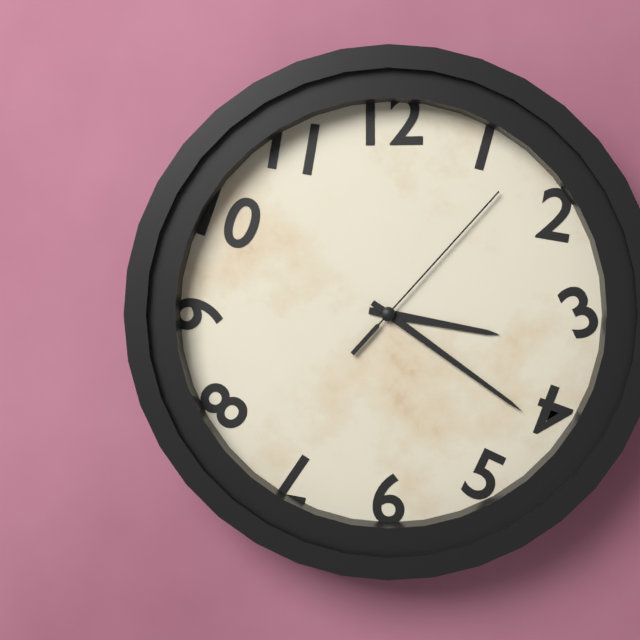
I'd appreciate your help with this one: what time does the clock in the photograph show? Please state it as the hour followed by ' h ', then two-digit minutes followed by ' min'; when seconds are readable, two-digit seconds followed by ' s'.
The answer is 3 h 21 min 07 s
